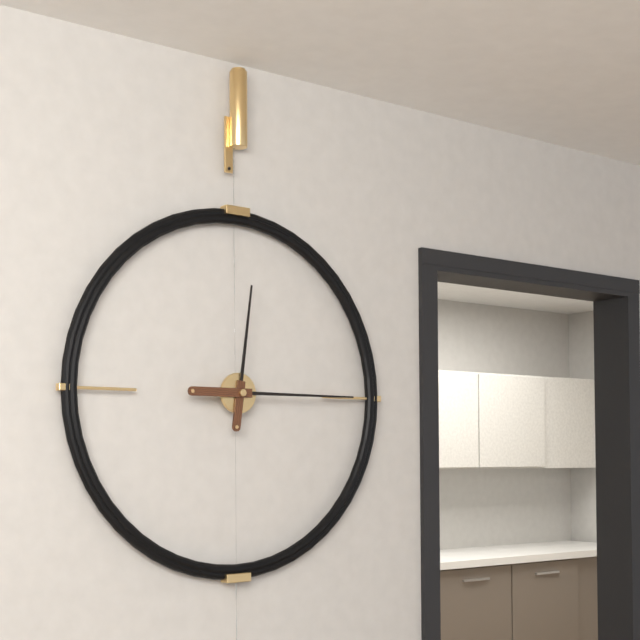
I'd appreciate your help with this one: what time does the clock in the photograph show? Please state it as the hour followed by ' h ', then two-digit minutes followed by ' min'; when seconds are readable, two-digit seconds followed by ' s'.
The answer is 12 h 15 min
